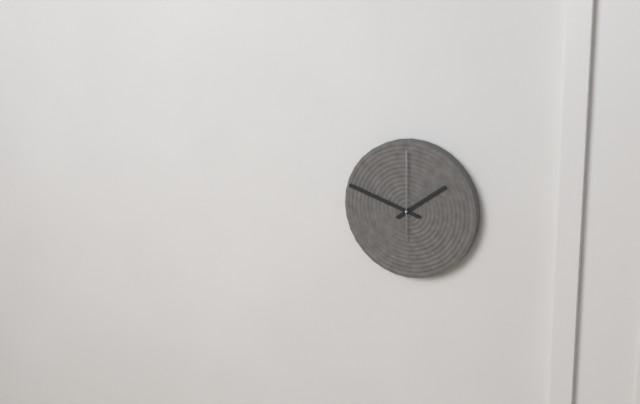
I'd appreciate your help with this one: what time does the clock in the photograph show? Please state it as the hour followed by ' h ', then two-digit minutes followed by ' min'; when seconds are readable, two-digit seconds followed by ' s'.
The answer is 1 h 48 min 00 s
